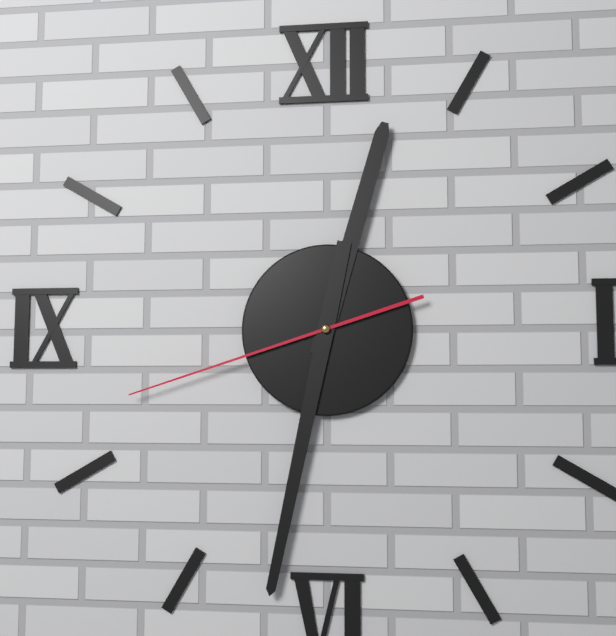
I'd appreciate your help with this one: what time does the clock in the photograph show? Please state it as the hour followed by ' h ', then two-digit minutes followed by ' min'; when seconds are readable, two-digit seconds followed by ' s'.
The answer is 12 h 32 min 42 s
